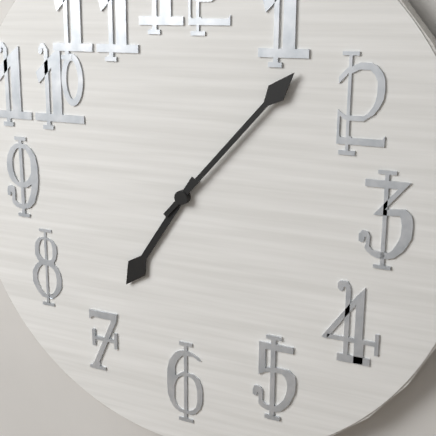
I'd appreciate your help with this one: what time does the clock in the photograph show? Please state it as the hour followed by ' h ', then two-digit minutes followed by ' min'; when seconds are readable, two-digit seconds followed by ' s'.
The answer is 7 h 07 min
